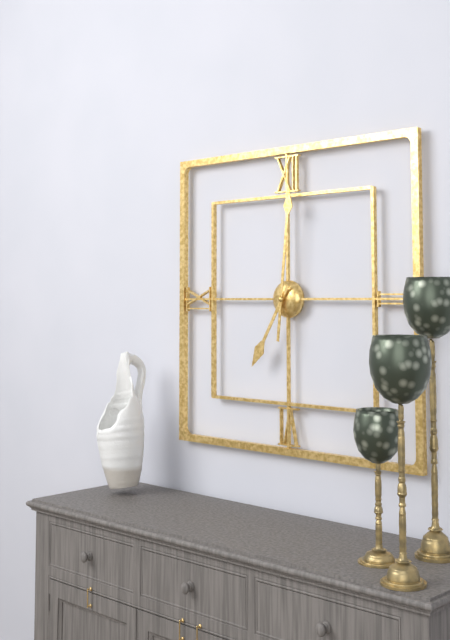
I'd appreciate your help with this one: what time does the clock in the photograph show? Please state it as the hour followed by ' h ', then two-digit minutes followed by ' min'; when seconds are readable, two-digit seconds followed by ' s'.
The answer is 7 h 01 min
